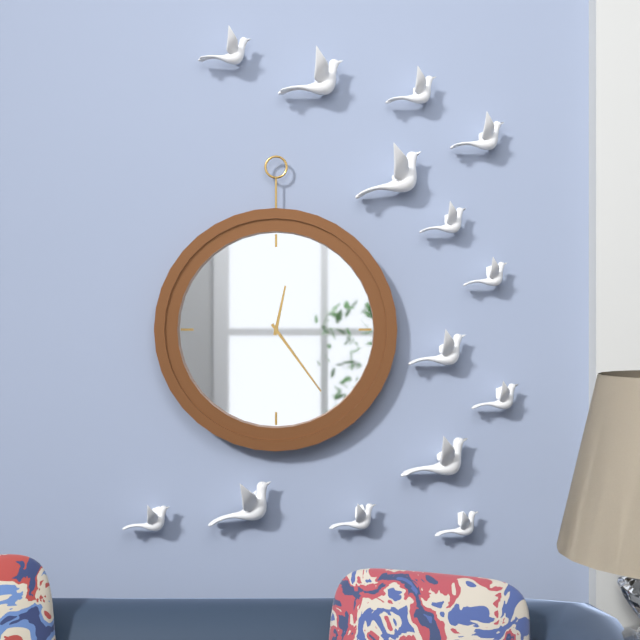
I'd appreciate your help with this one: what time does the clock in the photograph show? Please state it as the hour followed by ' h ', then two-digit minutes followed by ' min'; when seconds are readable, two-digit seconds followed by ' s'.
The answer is 12 h 24 min
